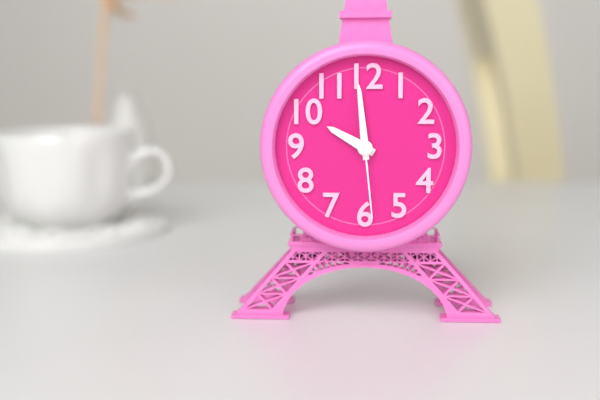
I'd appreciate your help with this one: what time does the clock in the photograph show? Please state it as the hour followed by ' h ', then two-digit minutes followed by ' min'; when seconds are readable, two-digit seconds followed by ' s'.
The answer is 9 h 59 min 29 s
